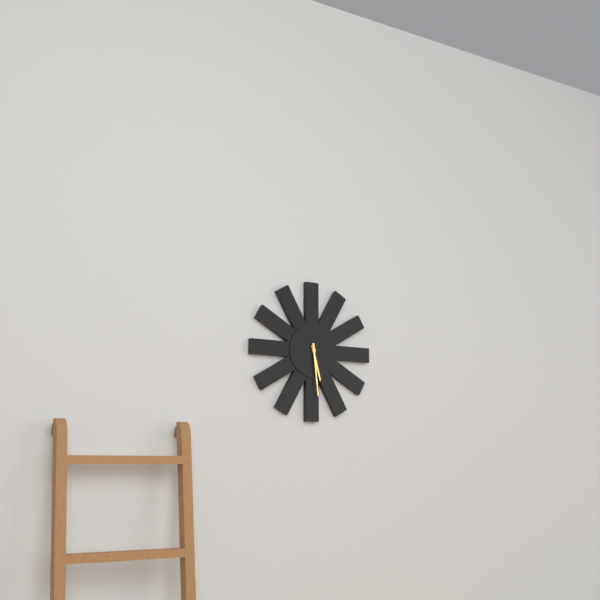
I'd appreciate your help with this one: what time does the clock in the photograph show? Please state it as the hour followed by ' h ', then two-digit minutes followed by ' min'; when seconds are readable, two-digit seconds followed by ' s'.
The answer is 5 h 29 min
